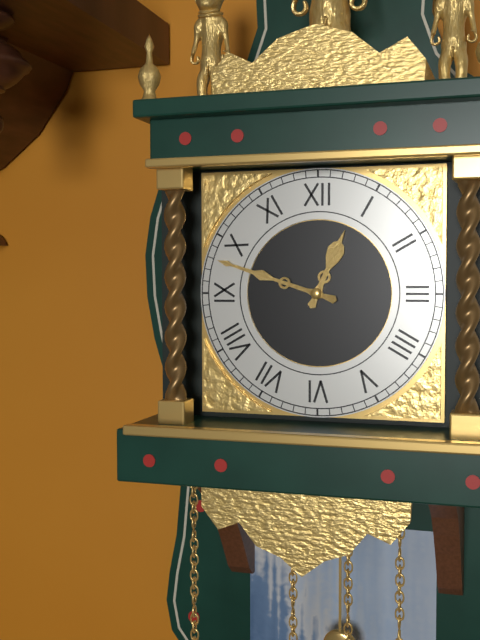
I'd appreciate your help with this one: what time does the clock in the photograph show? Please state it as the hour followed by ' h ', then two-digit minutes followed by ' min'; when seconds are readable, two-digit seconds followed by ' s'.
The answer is 12 h 48 min
